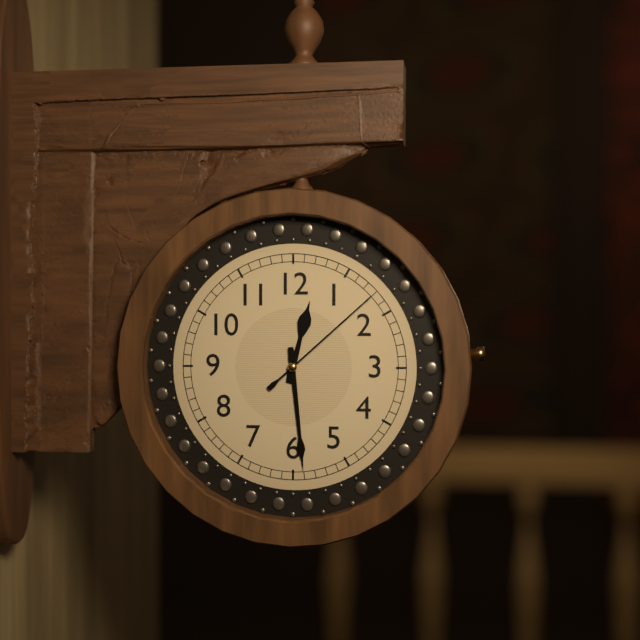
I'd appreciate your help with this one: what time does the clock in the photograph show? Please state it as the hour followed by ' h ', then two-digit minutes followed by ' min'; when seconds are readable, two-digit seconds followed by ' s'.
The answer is 12 h 29 min 08 s
